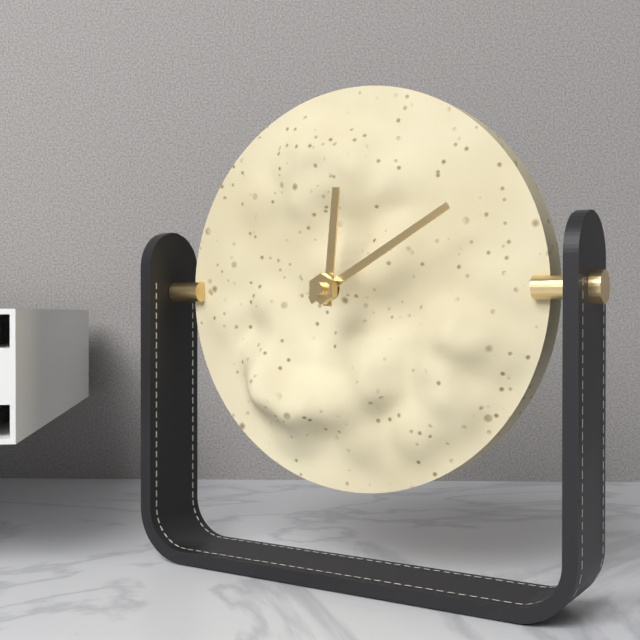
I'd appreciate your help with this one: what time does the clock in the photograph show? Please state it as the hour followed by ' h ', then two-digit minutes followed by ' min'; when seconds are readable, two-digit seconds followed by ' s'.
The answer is 12 h 10 min
